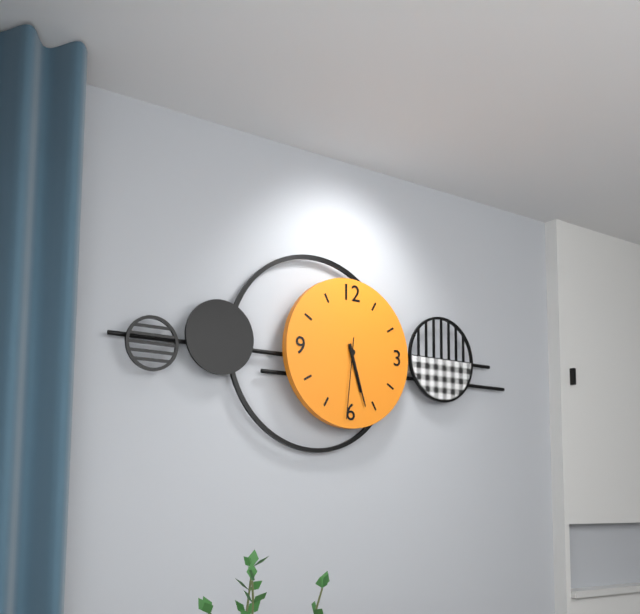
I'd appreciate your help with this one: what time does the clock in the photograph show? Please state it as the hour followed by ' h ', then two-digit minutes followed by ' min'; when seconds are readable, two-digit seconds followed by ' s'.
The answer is 5 h 27 min 31 s
